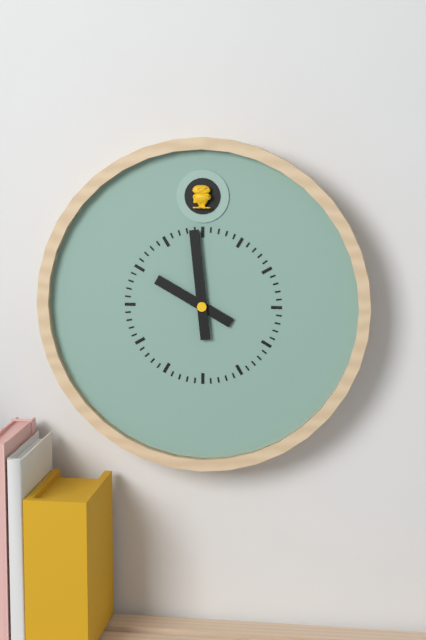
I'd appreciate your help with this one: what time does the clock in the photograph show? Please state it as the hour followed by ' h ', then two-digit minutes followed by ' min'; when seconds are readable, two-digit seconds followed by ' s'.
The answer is 9 h 59 min
